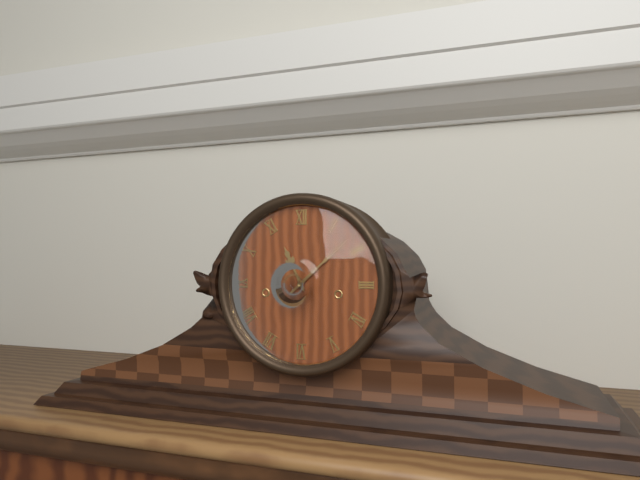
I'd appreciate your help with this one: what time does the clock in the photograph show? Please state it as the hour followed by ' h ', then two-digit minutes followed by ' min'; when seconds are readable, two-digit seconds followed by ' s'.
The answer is 11 h 08 min
